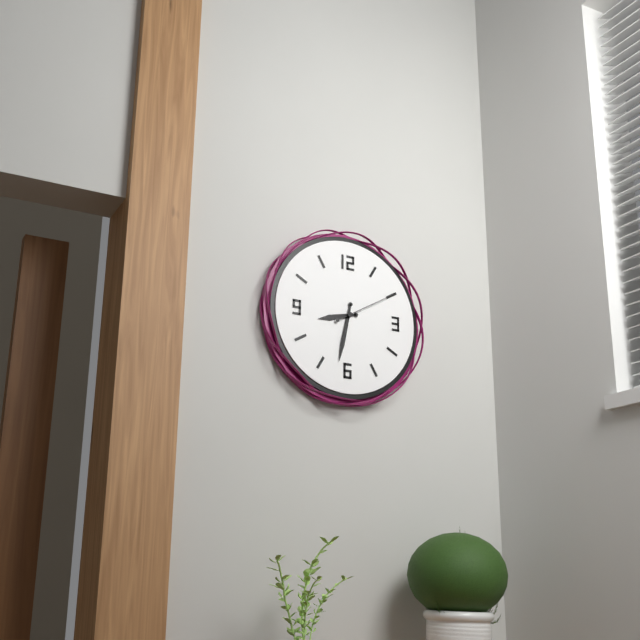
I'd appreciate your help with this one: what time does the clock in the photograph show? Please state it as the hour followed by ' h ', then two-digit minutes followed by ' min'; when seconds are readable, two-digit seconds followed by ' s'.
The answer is 8 h 32 min 10 s
